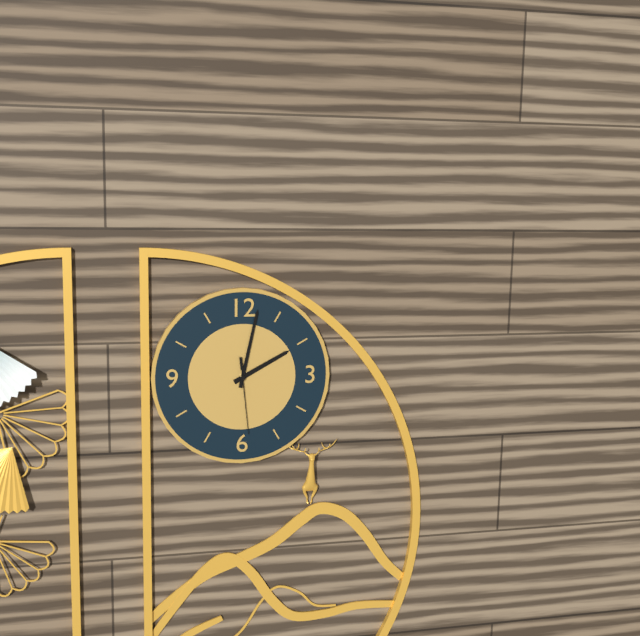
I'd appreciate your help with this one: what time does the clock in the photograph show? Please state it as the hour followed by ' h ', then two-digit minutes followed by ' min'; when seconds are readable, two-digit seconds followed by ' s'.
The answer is 2 h 02 min 29 s
